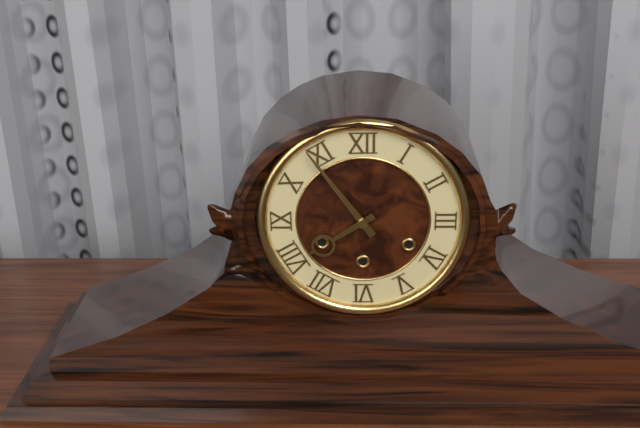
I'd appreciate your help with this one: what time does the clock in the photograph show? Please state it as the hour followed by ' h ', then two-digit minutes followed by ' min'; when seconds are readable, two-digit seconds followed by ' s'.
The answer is 7 h 54 min
